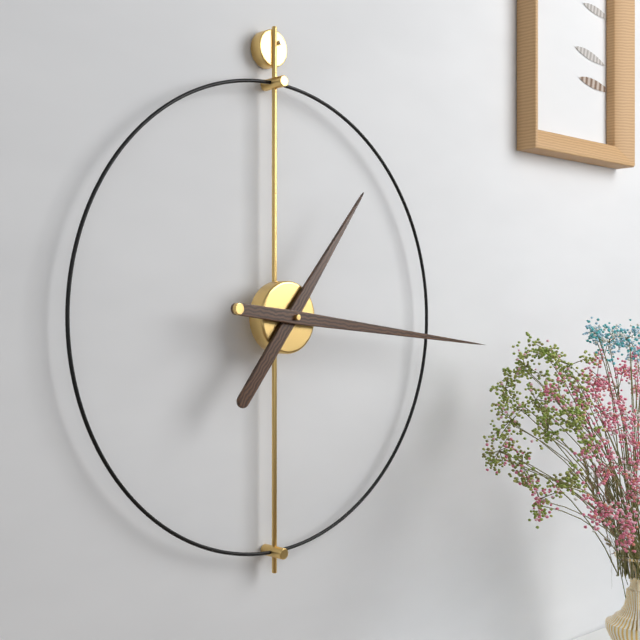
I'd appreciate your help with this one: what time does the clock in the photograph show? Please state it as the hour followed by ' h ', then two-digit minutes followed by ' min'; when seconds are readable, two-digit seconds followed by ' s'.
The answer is 1 h 16 min
